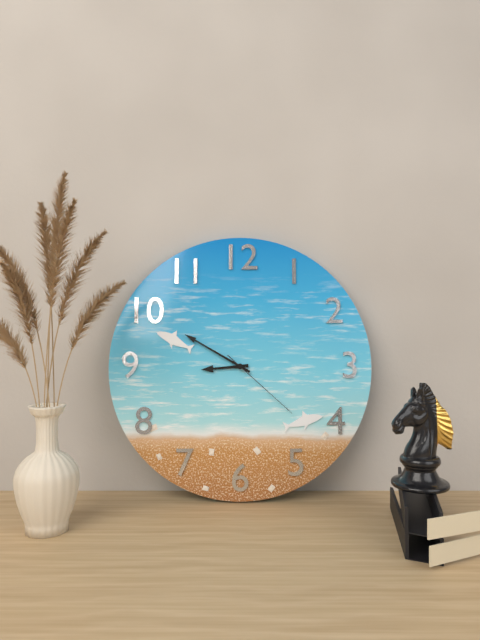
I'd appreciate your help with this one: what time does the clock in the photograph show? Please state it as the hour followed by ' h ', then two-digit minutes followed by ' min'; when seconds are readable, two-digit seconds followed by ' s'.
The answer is 8 h 50 min 22 s
